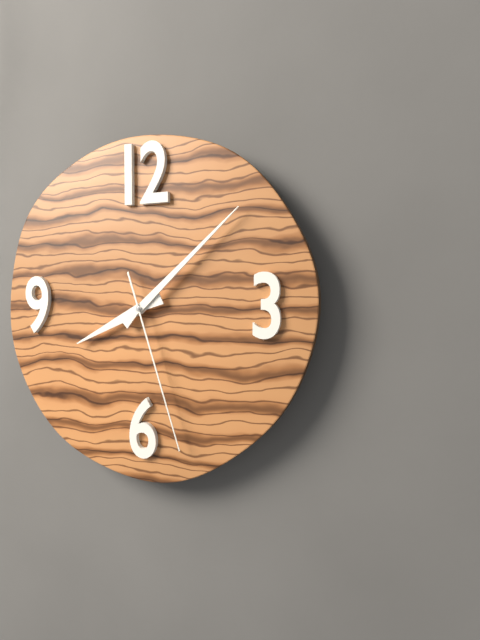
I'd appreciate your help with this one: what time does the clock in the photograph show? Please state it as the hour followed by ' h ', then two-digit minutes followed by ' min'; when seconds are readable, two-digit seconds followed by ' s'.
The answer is 8 h 08 min 27 s
